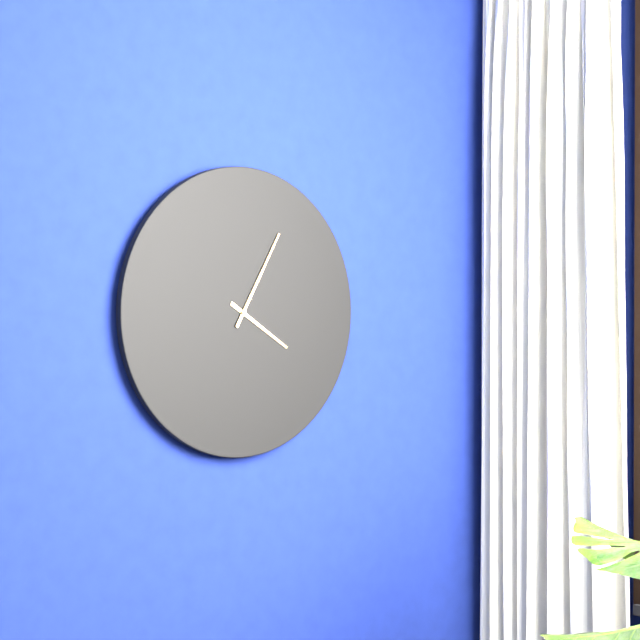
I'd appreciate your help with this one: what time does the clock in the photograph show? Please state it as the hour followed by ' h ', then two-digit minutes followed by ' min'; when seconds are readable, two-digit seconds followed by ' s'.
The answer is 4 h 05 min
